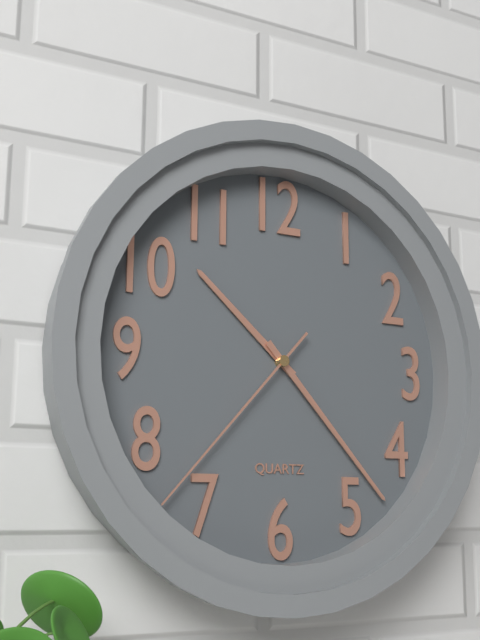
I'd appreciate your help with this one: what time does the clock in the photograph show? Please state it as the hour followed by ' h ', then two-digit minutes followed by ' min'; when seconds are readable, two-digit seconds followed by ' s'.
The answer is 10 h 23 min 37 s
